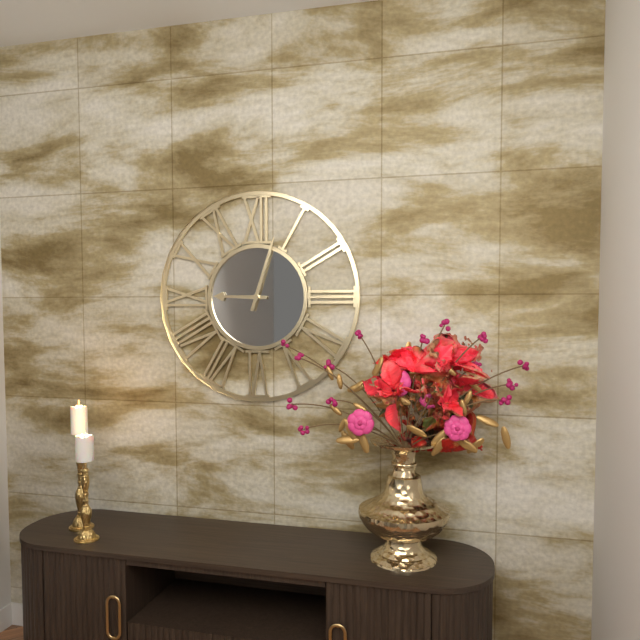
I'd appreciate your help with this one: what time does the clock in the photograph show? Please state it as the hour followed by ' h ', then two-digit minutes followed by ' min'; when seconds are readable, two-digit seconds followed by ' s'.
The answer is 9 h 03 min
